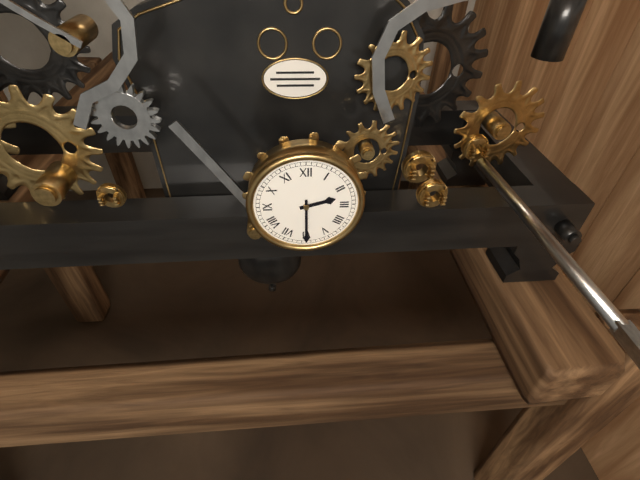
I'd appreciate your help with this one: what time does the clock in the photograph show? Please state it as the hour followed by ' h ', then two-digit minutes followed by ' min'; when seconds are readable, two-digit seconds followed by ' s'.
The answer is 2 h 30 min
